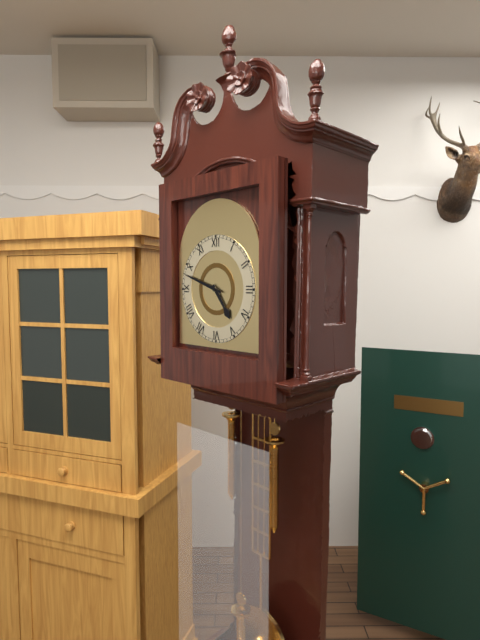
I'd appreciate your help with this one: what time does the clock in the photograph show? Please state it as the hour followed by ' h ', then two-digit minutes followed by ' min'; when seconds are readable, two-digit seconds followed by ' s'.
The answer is 4 h 48 min
